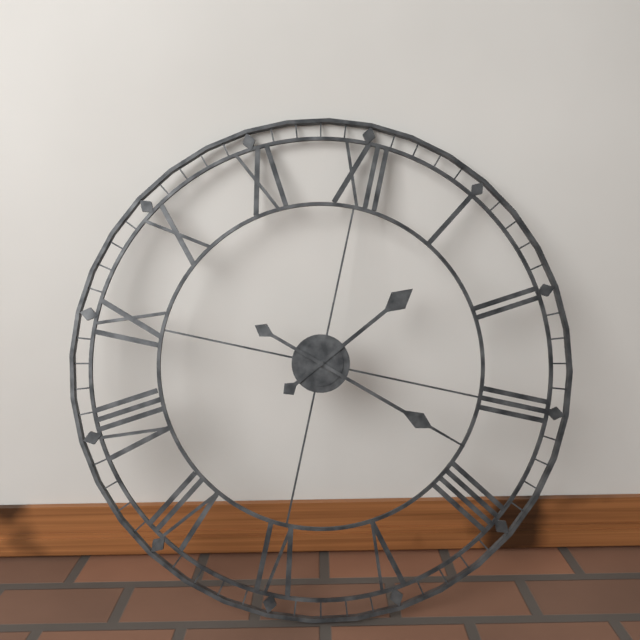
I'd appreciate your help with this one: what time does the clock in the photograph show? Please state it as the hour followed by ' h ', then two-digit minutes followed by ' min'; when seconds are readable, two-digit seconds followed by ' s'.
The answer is 1 h 18 min
